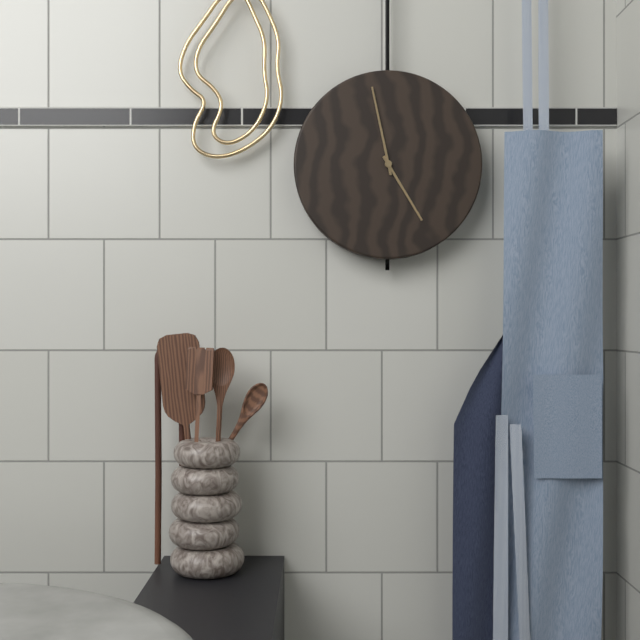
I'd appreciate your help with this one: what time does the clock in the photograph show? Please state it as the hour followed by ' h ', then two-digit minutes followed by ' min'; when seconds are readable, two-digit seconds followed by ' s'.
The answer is 4 h 58 min
